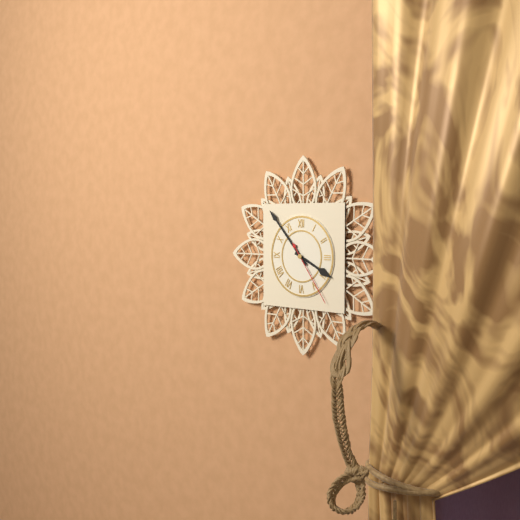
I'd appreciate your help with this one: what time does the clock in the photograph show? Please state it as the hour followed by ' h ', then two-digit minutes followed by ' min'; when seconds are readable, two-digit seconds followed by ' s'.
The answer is 3 h 53 min 24 s
